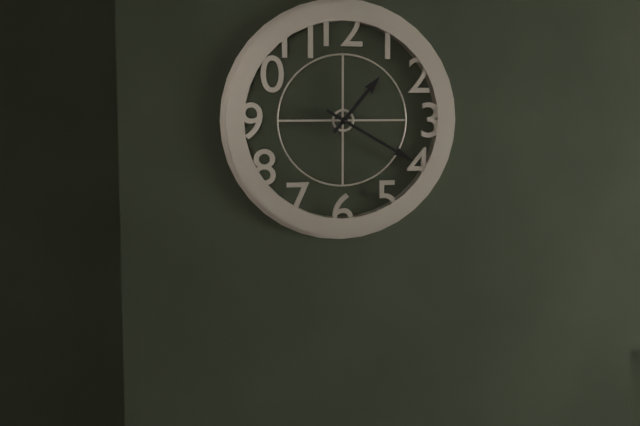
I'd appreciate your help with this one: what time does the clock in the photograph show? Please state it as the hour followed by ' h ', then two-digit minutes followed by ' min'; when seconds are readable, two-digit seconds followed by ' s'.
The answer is 1 h 20 min
